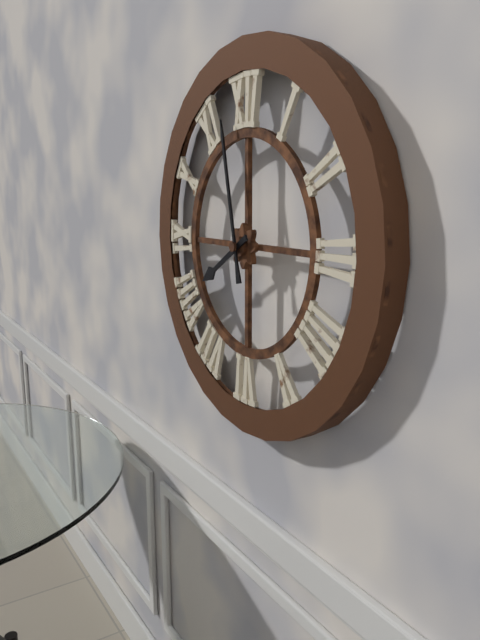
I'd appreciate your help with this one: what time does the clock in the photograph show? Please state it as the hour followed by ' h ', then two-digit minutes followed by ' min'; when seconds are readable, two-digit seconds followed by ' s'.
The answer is 7 h 58 min
